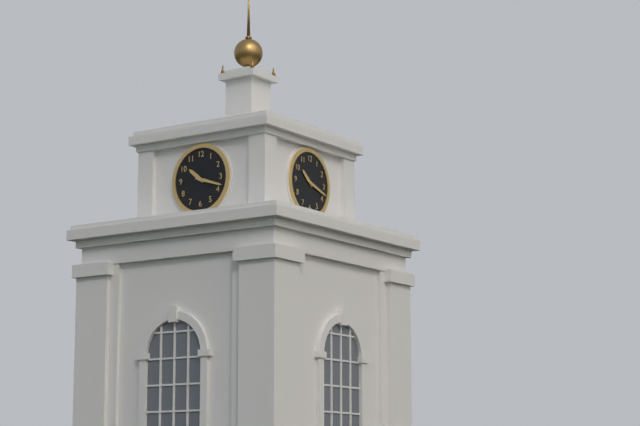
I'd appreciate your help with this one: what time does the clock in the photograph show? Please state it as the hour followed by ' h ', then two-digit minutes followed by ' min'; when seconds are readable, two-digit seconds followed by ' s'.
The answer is 10 h 18 min
